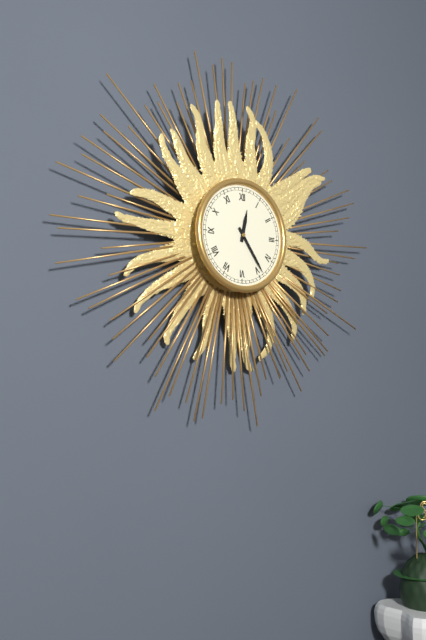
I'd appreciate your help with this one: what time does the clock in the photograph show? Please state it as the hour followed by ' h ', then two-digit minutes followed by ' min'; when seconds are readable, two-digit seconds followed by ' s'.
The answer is 12 h 24 min
